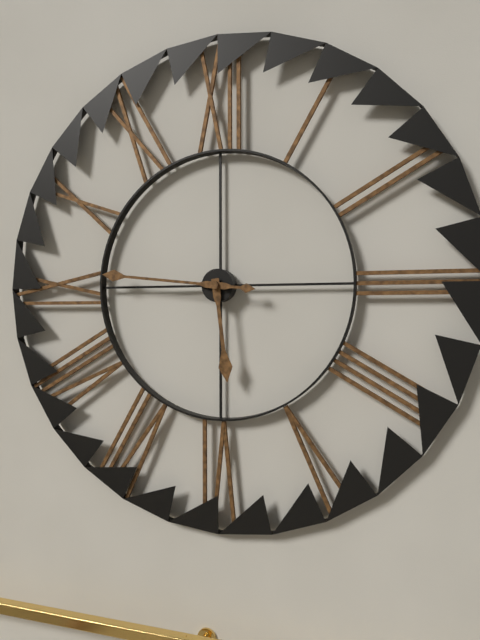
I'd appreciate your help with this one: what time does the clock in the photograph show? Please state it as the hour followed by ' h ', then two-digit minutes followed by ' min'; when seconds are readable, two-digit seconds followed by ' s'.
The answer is 5 h 46 min
